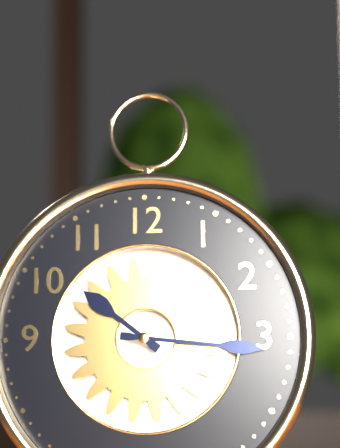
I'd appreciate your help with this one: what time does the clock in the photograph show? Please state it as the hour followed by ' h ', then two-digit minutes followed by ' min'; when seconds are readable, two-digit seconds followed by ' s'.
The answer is 10 h 16 min
